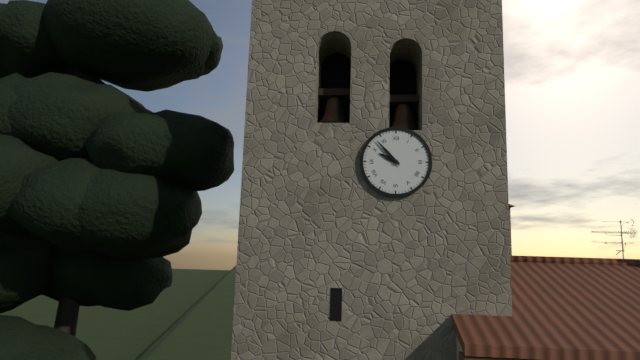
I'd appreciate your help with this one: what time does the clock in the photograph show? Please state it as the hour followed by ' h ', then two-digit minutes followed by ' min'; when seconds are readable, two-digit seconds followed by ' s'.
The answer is 9 h 53 min
